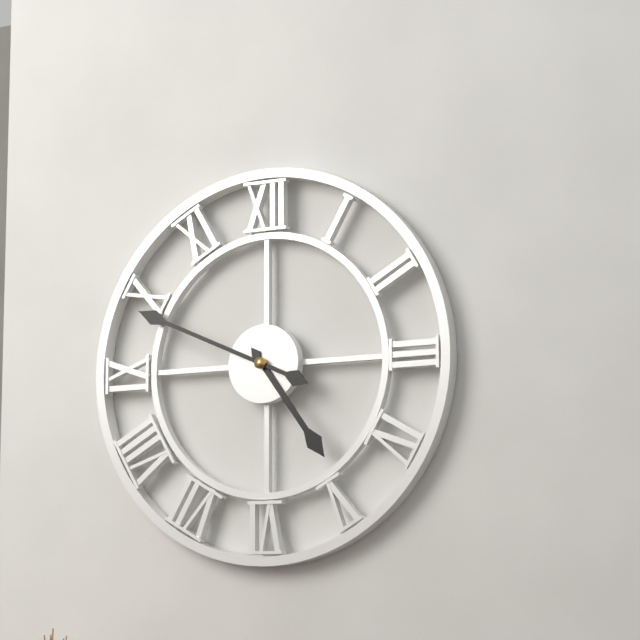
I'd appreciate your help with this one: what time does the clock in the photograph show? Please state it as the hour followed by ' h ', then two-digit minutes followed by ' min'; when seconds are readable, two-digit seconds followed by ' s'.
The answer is 4 h 49 min
